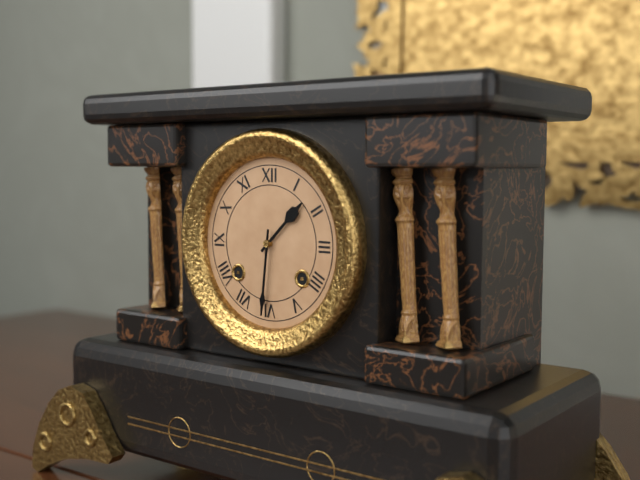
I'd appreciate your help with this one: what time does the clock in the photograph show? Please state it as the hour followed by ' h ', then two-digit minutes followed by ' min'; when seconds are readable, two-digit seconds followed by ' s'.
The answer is 1 h 31 min
